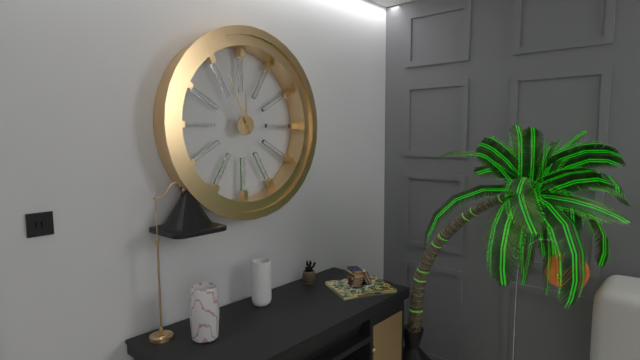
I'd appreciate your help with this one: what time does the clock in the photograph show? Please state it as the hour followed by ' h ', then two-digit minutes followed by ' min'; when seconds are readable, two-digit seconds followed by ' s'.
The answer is 11 h 56 min
